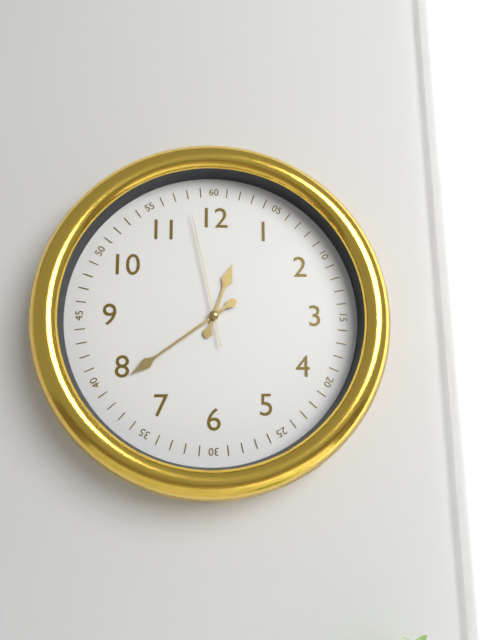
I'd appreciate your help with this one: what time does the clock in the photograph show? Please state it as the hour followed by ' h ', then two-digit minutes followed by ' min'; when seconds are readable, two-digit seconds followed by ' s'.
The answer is 12 h 39 min 58 s
